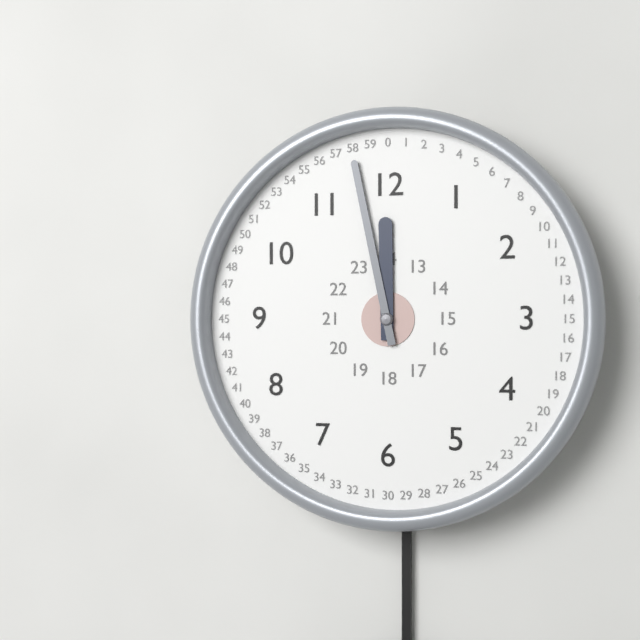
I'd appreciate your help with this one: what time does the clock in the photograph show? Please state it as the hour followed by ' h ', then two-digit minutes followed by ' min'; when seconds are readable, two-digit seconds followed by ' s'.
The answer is 11 h 58 min
